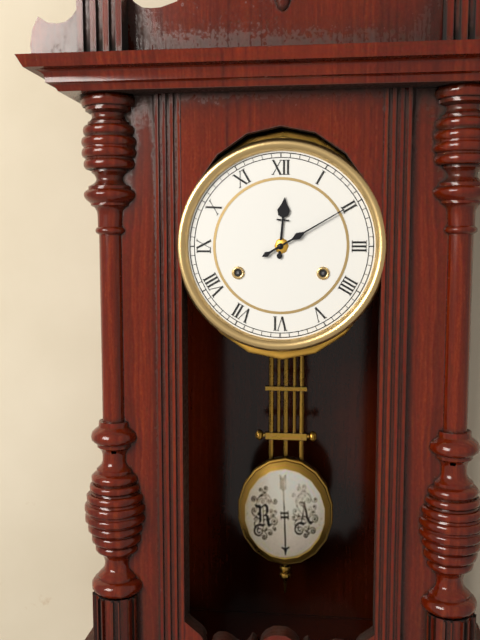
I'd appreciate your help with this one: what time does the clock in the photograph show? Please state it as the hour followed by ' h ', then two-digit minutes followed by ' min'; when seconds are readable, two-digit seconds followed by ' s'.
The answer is 12 h 10 min
